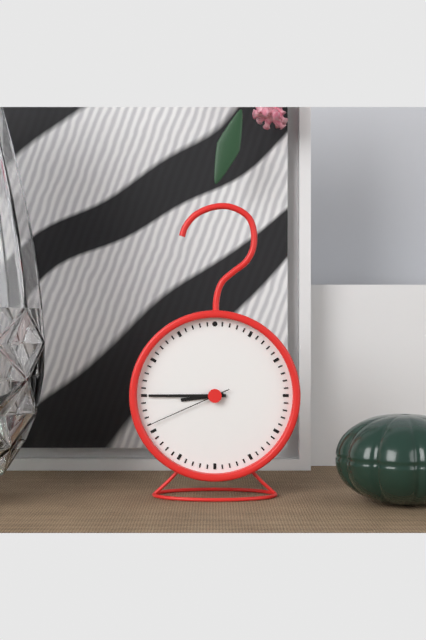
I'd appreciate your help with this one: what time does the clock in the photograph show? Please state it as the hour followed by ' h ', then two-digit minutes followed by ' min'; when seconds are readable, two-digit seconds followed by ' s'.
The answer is 8 h 45 min 41 s
